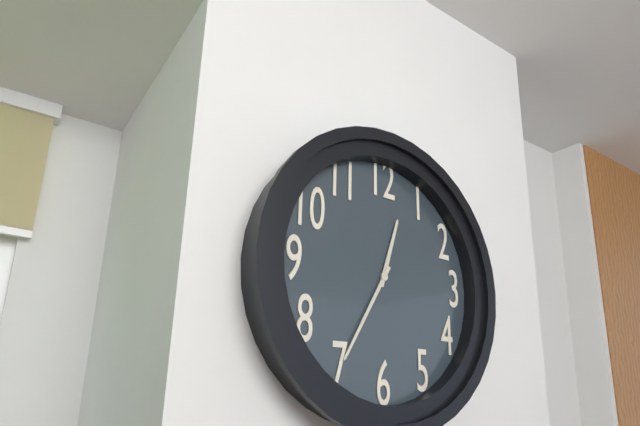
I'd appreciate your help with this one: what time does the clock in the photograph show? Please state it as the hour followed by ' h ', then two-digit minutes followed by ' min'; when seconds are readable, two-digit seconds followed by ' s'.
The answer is 12 h 35 min
